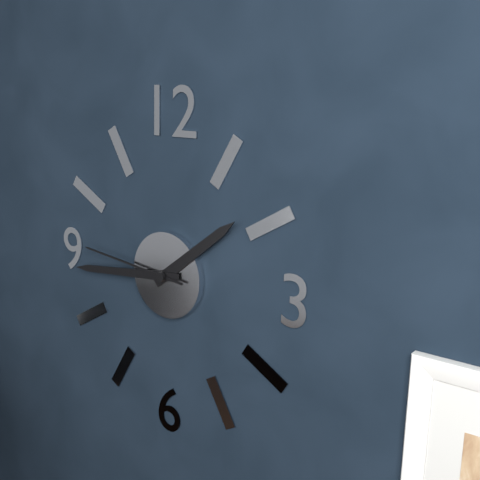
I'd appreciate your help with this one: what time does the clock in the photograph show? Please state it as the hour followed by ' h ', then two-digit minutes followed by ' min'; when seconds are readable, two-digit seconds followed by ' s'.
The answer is 1 h 44 min 46 s
